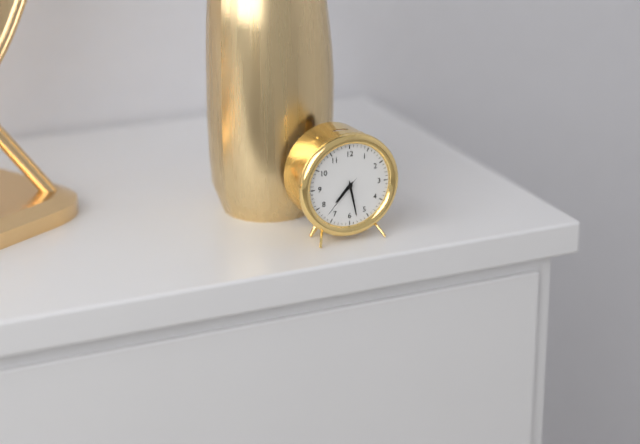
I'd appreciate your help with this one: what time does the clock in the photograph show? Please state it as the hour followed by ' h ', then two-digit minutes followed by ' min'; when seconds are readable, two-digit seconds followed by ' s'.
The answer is 7 h 28 min
